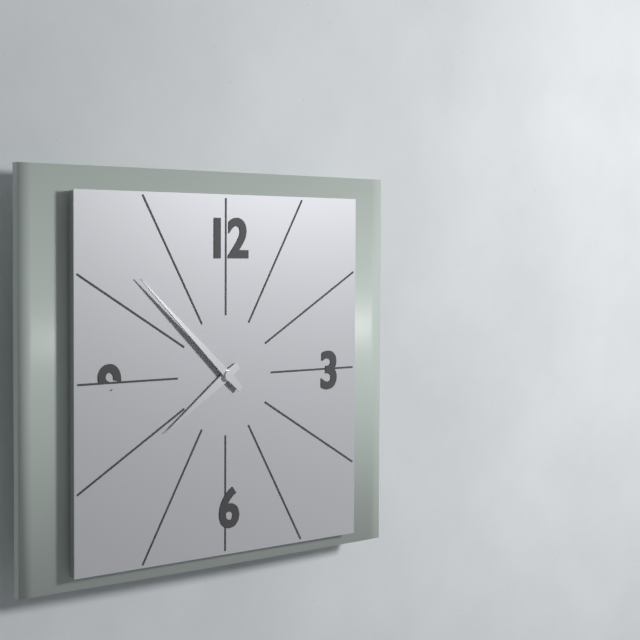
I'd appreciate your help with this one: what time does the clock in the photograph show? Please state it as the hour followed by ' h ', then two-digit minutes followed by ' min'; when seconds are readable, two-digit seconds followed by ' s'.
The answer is 7 h 52 min
